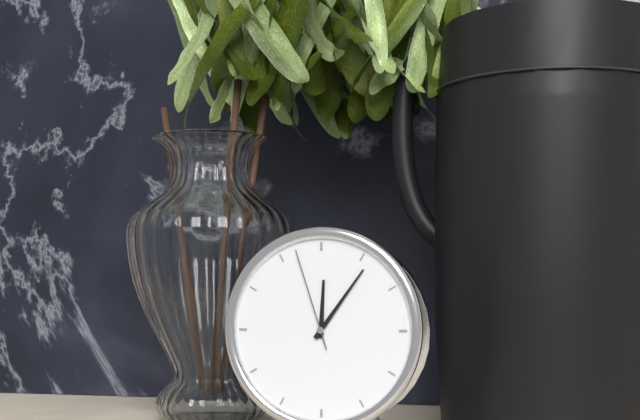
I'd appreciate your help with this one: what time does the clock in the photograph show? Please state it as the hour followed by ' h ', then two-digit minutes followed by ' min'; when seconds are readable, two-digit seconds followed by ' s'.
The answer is 12 h 06 min 57 s
